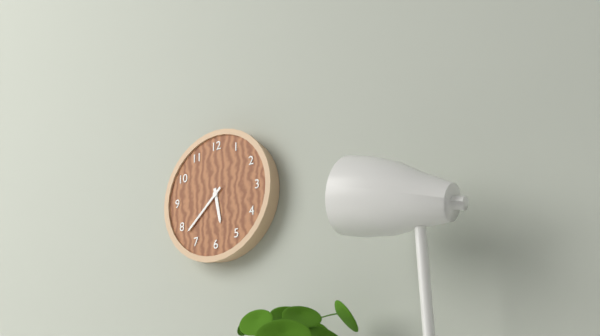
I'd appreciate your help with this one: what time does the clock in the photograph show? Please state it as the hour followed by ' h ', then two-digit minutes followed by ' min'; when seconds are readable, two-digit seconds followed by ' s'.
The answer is 5 h 38 min
